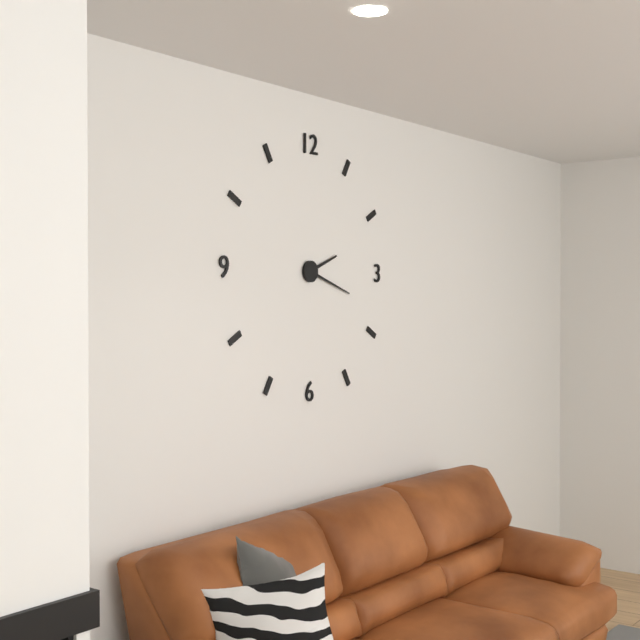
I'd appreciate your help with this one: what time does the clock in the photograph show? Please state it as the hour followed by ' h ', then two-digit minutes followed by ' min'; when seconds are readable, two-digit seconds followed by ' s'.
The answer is 2 h 18 min
